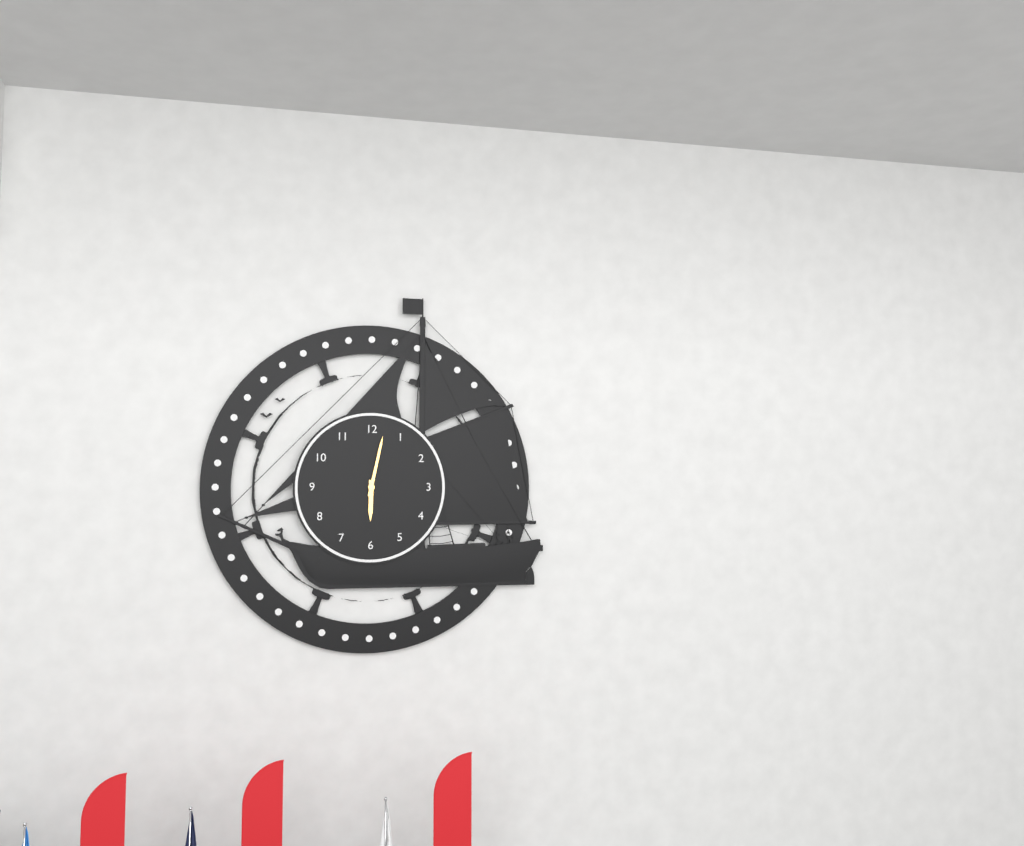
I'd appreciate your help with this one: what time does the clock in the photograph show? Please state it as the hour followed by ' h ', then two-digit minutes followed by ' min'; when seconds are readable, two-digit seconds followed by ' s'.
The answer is 6 h 02 min
